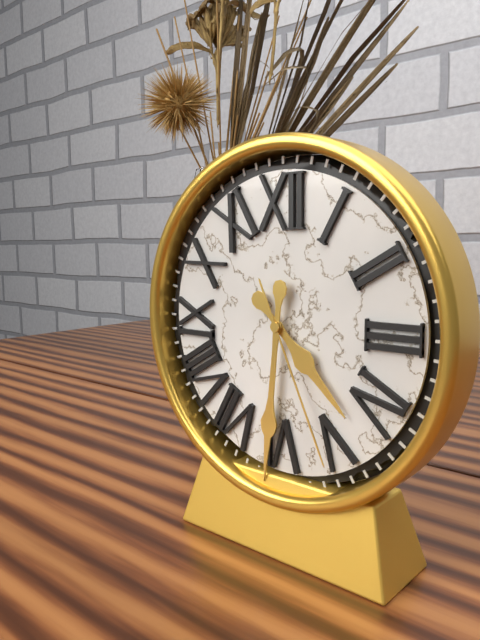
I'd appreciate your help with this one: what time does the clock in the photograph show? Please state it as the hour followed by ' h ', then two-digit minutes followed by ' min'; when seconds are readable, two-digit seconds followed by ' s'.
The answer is 4 h 31 min 26 s
